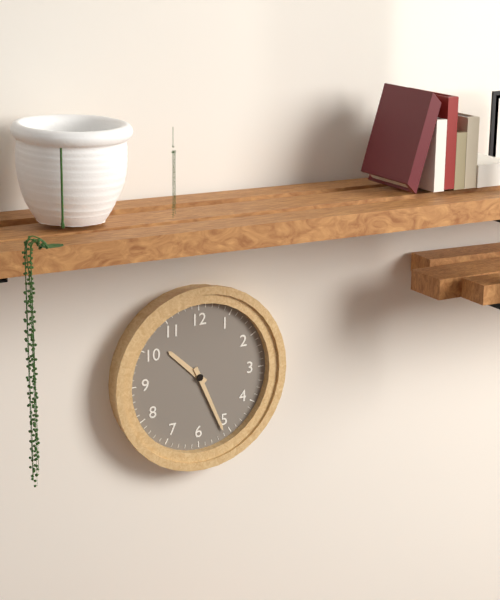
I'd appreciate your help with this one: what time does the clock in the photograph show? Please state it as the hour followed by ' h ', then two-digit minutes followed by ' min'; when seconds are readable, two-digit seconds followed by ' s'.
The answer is 10 h 26 min
